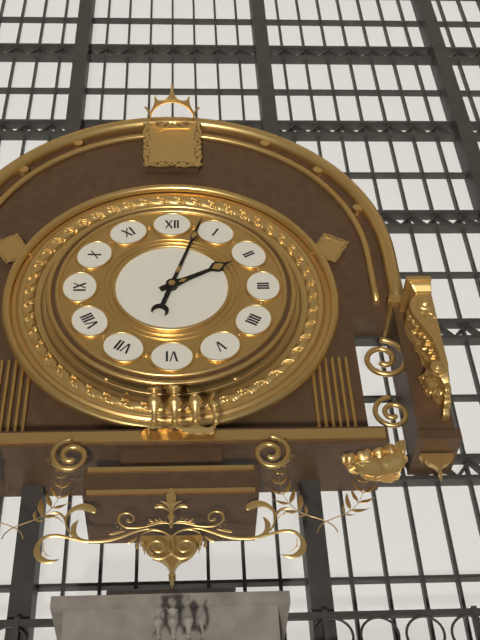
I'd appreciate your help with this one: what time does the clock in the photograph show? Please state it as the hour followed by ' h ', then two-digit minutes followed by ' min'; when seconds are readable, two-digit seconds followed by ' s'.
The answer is 2 h 03 min
